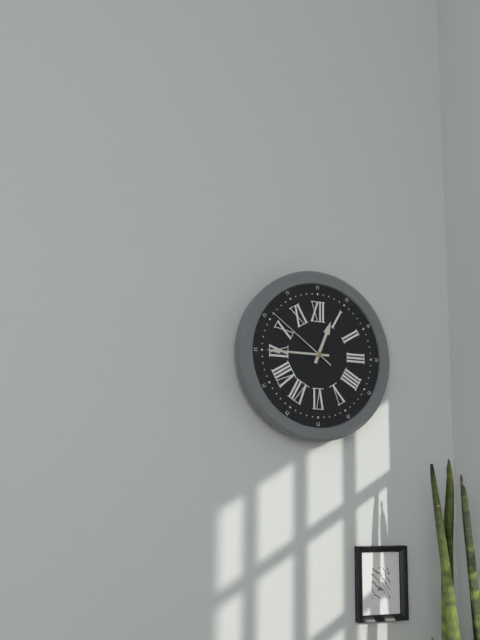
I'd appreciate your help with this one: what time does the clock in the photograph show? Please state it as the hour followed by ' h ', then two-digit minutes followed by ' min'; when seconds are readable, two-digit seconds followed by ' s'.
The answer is 12 h 45 min 51 s
